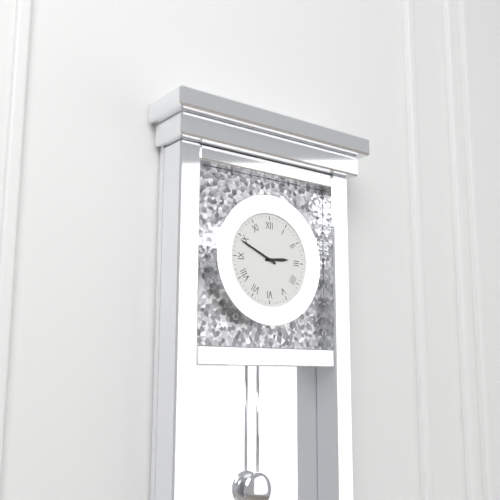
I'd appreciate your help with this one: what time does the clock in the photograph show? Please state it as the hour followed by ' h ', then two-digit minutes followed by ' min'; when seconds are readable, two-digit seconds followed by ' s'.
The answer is 2 h 49 min
